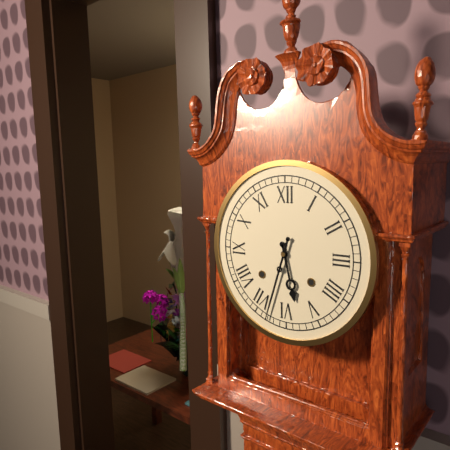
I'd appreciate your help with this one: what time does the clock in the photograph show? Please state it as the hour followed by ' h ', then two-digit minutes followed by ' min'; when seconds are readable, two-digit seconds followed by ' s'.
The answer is 5 h 33 min
